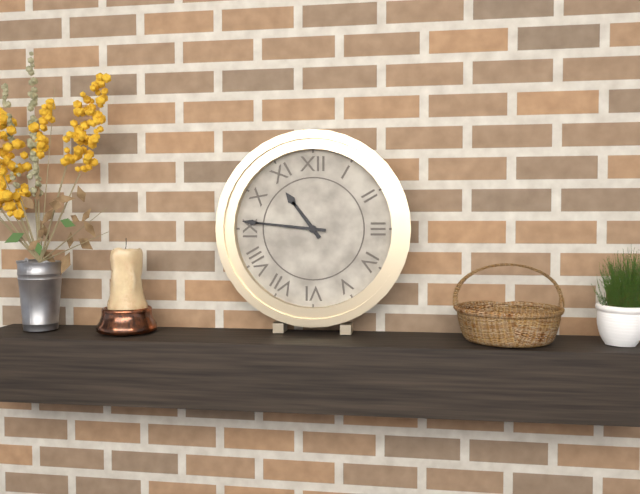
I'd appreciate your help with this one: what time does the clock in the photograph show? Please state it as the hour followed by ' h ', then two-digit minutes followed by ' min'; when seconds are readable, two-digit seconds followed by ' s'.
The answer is 10 h 46 min
